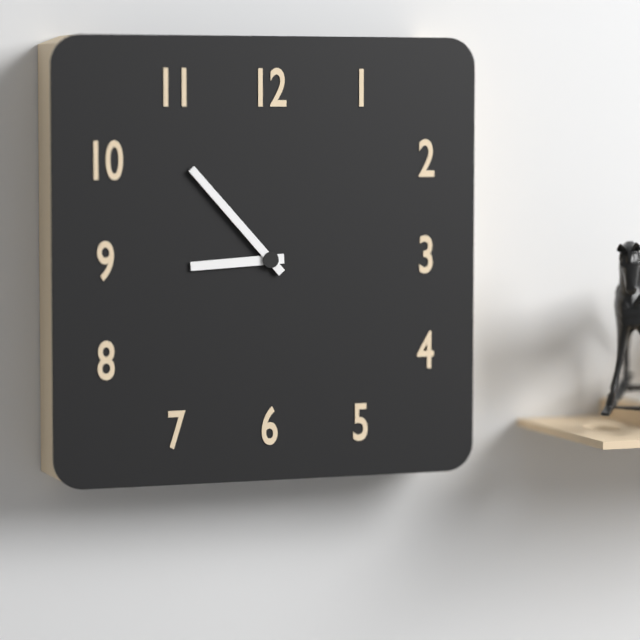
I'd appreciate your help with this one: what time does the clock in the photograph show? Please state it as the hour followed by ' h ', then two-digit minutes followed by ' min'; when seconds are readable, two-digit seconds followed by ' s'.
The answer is 8 h 53 min
